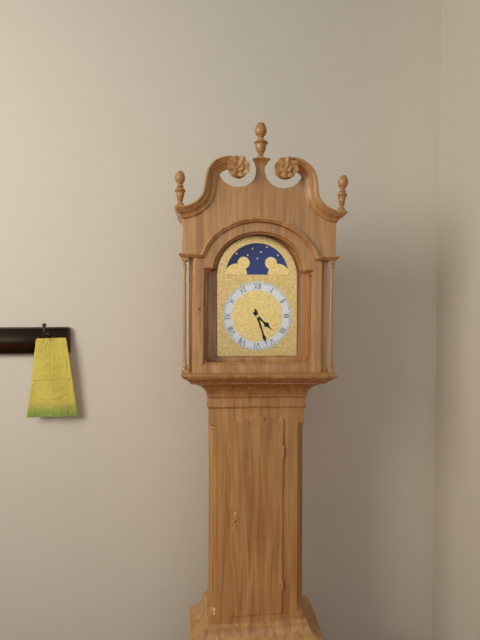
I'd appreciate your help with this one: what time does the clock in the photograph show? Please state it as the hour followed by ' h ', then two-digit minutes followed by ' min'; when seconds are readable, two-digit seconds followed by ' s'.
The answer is 4 h 27 min
